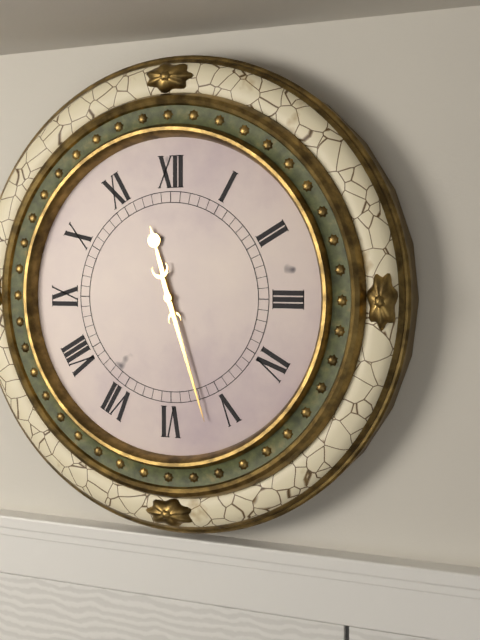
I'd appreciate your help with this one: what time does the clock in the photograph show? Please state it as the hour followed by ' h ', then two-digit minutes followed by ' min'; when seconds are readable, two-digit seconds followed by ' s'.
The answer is 11 h 27 min
